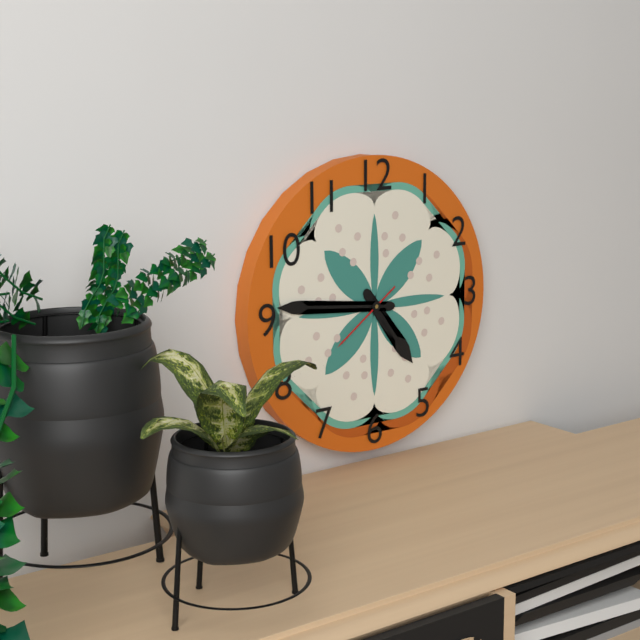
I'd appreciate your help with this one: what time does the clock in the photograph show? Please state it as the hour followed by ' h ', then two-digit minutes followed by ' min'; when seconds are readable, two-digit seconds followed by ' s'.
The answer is 4 h 46 min 39 s
